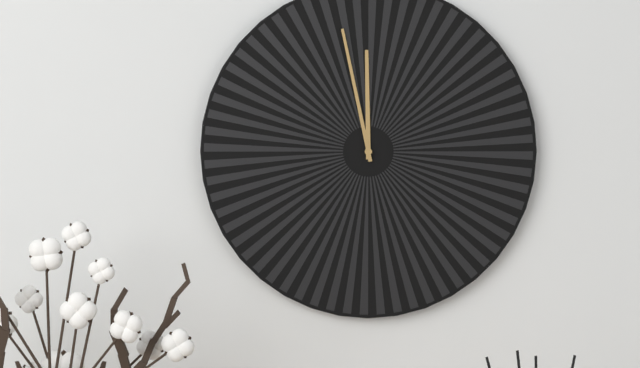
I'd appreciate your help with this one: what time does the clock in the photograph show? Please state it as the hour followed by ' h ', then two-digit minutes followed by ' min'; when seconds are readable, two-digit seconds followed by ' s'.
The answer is 11 h 58 min
